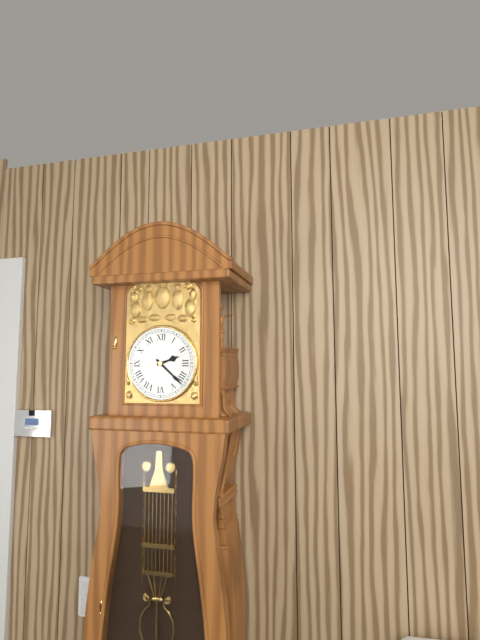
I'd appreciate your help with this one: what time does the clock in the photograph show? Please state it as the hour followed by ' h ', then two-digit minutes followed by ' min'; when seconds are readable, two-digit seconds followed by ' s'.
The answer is 2 h 22 min
